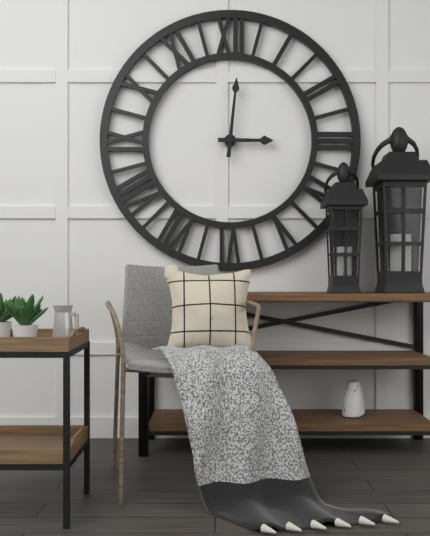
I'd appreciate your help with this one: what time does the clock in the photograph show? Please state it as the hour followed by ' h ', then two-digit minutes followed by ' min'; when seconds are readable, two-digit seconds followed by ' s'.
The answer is 3 h 01 min
